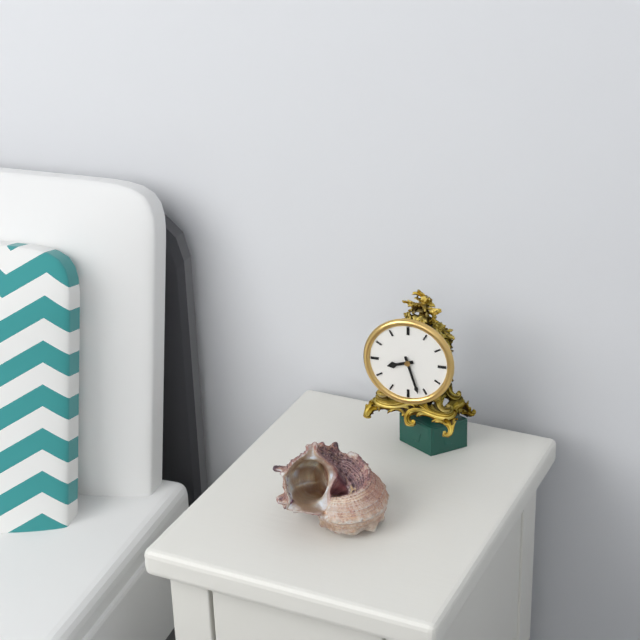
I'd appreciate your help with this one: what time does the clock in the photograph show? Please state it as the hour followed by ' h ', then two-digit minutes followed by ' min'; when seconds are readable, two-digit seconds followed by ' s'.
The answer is 8 h 27 min
